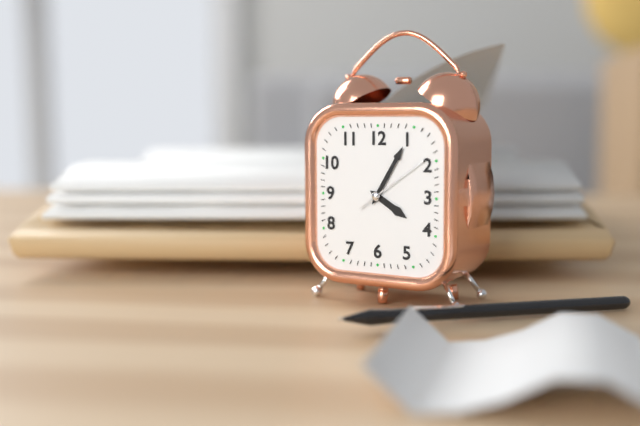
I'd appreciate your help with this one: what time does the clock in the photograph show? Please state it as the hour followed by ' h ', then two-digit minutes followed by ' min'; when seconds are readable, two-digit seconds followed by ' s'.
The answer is 4 h 05 min 09 s
